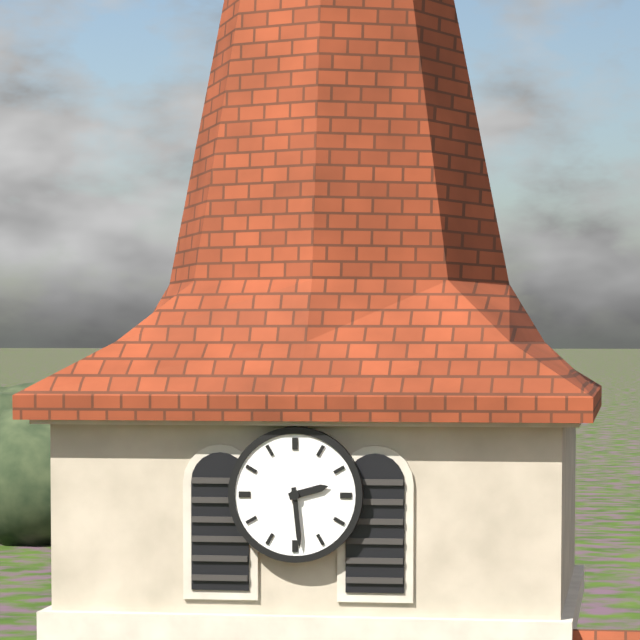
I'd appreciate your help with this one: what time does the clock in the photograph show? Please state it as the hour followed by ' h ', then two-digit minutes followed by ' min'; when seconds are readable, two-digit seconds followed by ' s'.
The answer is 2 h 29 min
